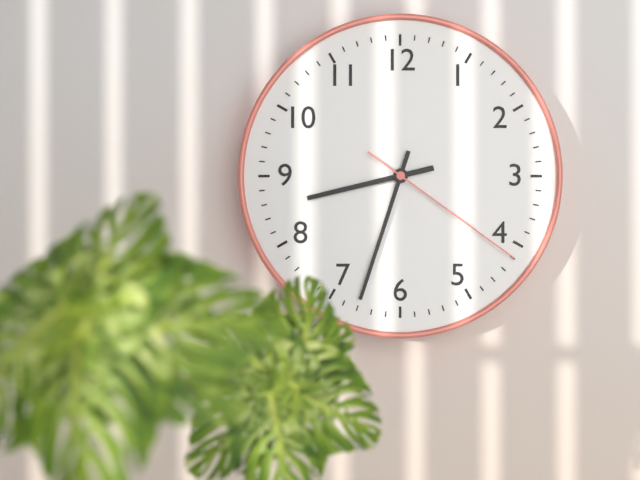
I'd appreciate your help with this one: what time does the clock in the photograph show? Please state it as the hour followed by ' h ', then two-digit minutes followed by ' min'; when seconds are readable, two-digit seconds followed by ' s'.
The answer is 8 h 33 min 21 s
